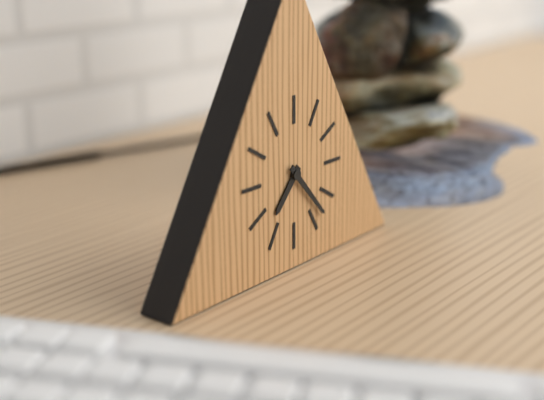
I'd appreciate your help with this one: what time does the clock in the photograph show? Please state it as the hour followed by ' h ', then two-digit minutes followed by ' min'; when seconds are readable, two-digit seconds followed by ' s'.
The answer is 7 h 23 min
